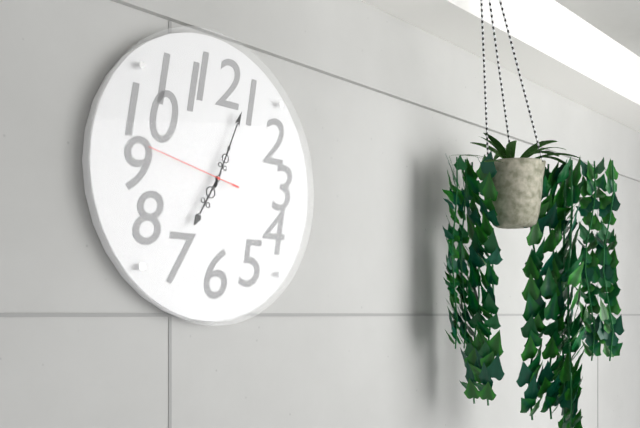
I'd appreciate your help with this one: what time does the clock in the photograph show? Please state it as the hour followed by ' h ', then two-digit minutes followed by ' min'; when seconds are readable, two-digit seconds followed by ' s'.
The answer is 7 h 04 min 47 s
